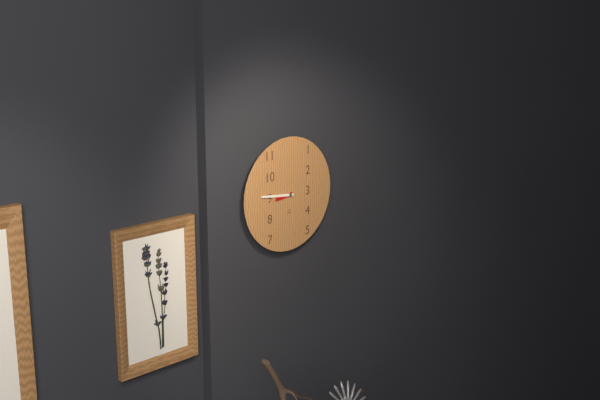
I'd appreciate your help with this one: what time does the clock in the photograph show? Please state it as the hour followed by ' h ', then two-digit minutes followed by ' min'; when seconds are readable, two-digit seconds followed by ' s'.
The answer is 8 h 46 min
